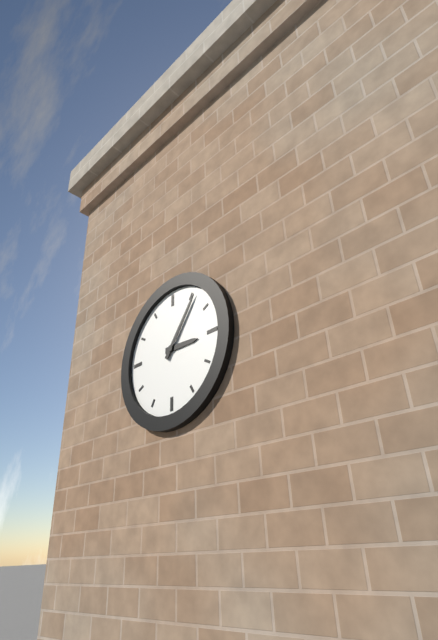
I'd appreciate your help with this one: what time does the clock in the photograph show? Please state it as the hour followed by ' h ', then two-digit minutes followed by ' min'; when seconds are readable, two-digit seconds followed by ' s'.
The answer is 3 h 06 min
